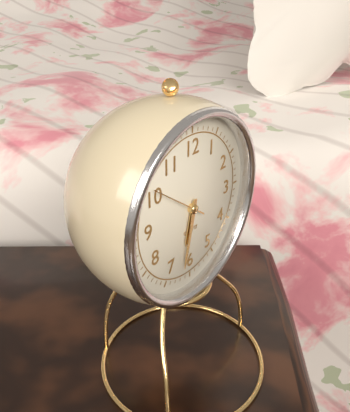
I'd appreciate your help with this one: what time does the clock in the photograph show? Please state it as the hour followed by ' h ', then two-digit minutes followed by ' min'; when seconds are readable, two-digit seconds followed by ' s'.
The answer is 6 h 32 min 51 s
